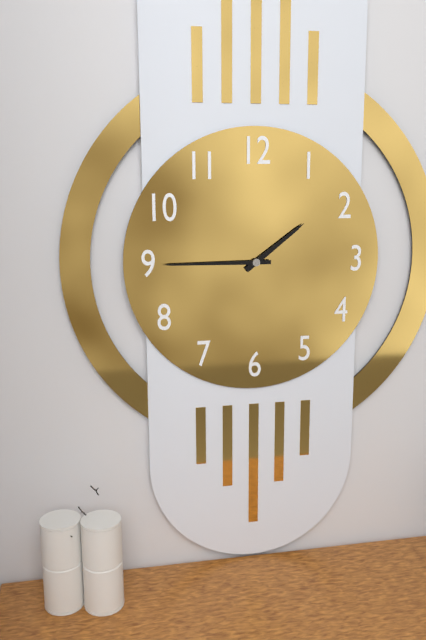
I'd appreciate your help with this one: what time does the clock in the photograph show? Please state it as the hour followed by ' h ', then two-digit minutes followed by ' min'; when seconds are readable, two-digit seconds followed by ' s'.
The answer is 1 h 45 min
